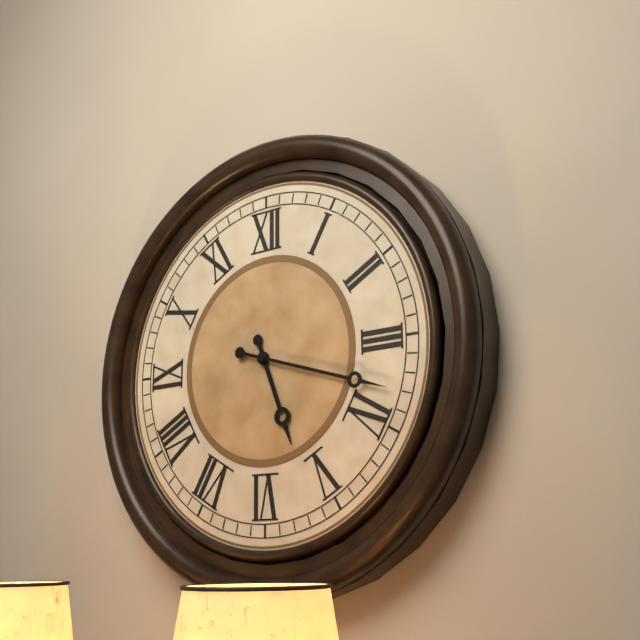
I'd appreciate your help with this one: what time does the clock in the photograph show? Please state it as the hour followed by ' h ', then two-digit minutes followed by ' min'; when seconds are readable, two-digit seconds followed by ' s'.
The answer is 5 h 18 min
